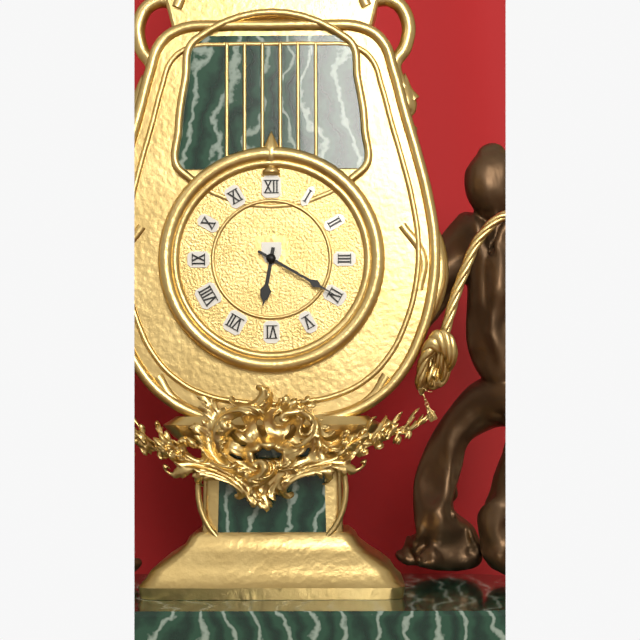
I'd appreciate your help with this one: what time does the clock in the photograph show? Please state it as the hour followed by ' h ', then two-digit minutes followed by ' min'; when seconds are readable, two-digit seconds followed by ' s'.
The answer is 6 h 20 min
